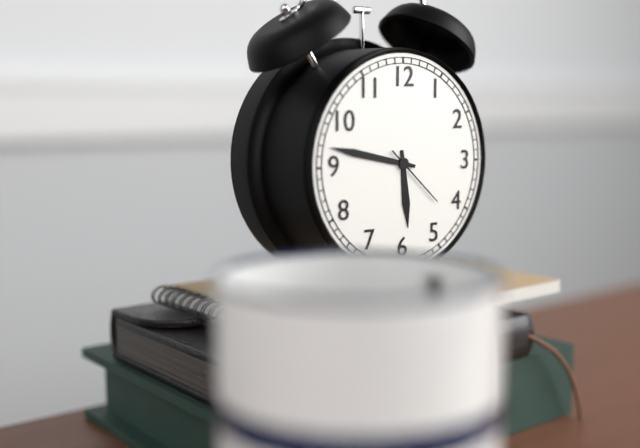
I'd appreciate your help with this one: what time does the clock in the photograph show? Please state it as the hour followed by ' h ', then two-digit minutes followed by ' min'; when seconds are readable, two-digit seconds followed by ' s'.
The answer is 5 h 47 min 22 s
